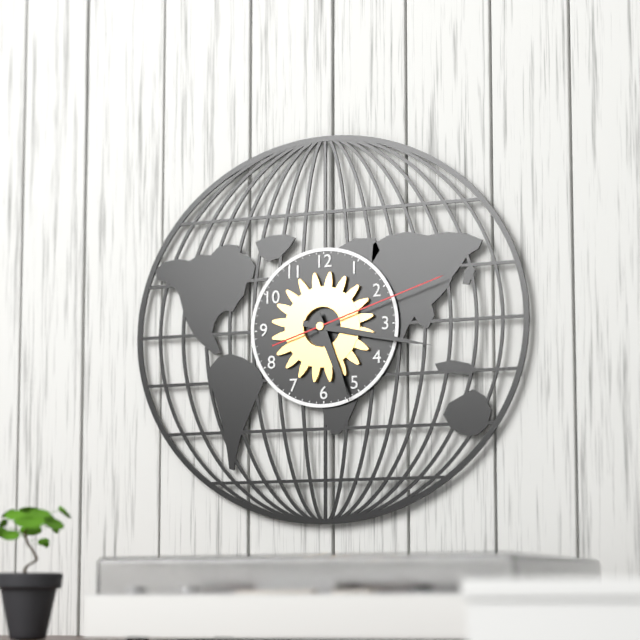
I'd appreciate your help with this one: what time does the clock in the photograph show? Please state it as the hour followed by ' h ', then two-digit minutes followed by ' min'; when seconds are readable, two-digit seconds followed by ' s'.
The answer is 5 h 17 min 12 s
